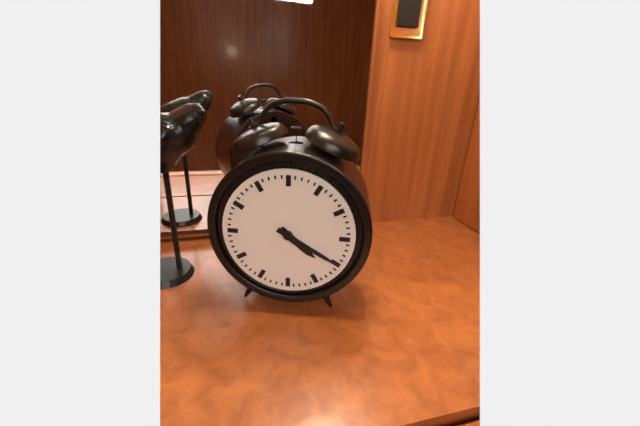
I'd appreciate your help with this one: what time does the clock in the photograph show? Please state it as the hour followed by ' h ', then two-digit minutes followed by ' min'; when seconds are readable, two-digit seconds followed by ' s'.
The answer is 4 h 20 min
